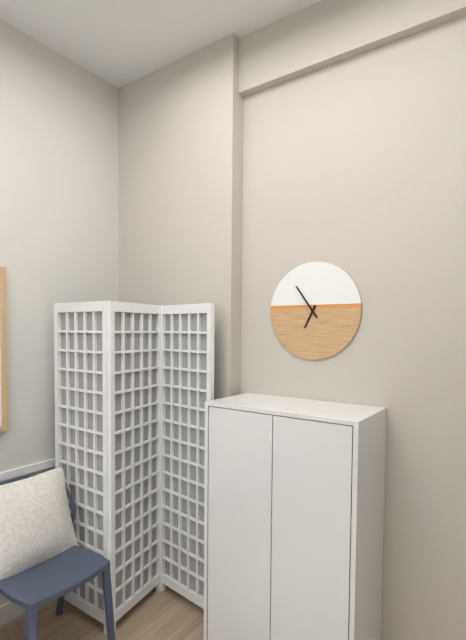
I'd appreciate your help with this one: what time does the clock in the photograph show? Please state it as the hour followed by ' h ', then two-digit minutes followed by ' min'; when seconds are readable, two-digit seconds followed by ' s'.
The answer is 6 h 54 min
